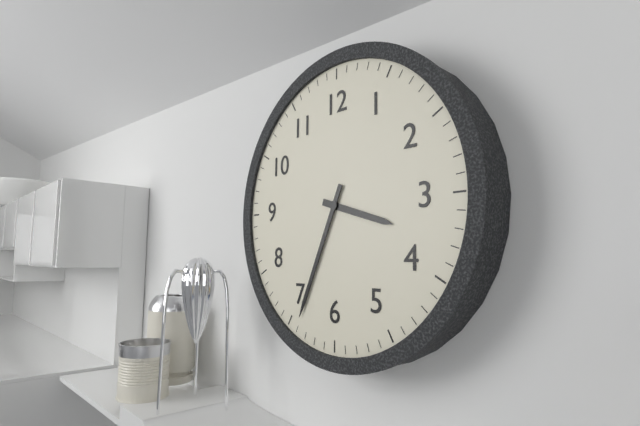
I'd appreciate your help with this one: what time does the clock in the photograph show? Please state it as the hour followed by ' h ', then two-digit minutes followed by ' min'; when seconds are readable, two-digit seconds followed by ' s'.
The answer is 3 h 34 min
